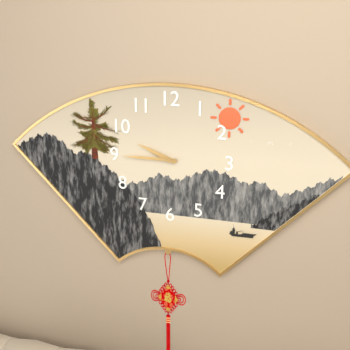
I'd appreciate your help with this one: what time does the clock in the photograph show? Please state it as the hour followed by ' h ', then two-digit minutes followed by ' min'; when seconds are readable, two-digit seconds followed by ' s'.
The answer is 9 h 45 min
